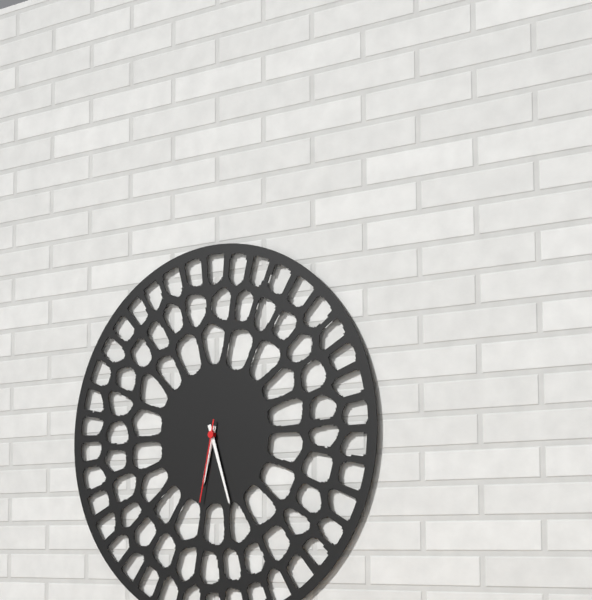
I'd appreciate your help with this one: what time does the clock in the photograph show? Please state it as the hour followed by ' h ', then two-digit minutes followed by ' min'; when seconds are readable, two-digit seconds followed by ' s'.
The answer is 6 h 27 min 32 s
